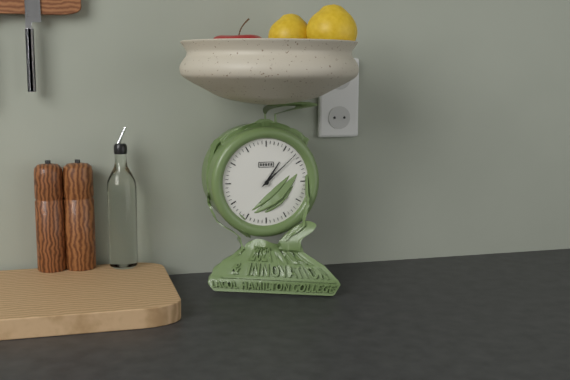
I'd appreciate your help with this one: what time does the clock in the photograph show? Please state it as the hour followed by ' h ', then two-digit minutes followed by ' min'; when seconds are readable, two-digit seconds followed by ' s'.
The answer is 1 h 08 min
